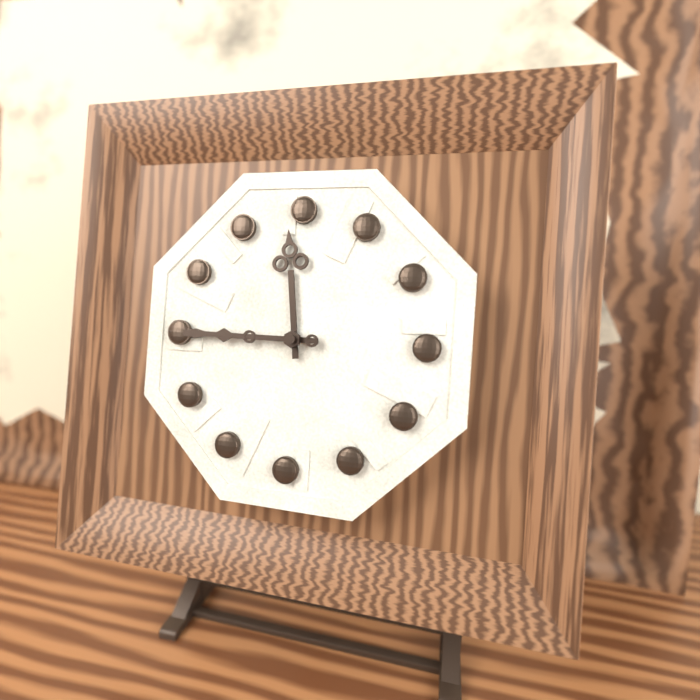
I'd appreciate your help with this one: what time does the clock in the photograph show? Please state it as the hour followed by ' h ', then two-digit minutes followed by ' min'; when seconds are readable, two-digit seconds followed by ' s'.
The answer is 11 h 45 min
